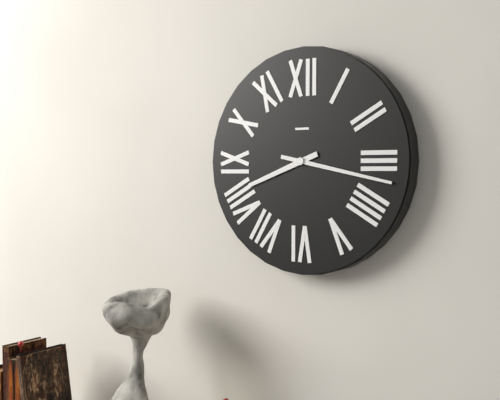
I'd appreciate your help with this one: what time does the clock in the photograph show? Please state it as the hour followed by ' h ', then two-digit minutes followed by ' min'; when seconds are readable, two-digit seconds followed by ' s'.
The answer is 8 h 17 min
